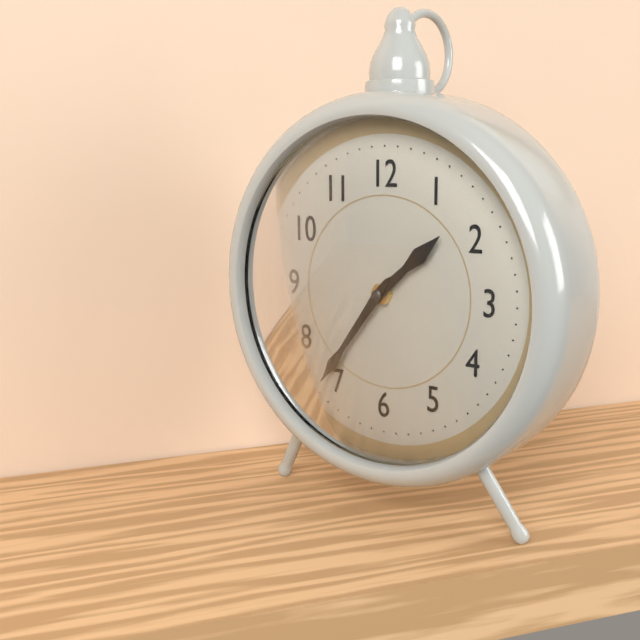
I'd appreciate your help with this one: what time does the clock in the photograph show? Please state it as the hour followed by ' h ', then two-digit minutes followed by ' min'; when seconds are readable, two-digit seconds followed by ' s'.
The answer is 1 h 36 min
